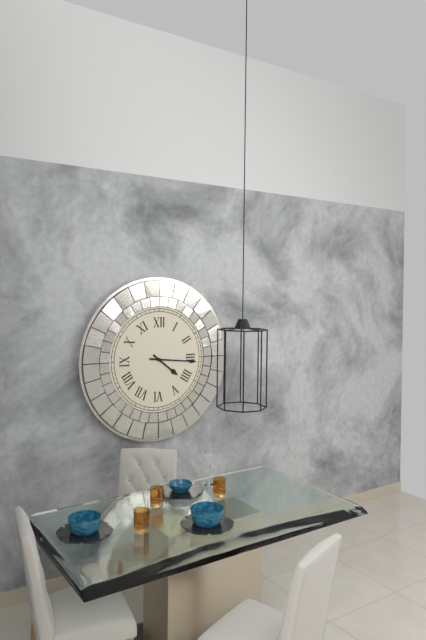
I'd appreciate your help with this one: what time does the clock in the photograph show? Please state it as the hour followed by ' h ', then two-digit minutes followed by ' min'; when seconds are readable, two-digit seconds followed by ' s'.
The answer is 4 h 16 min
